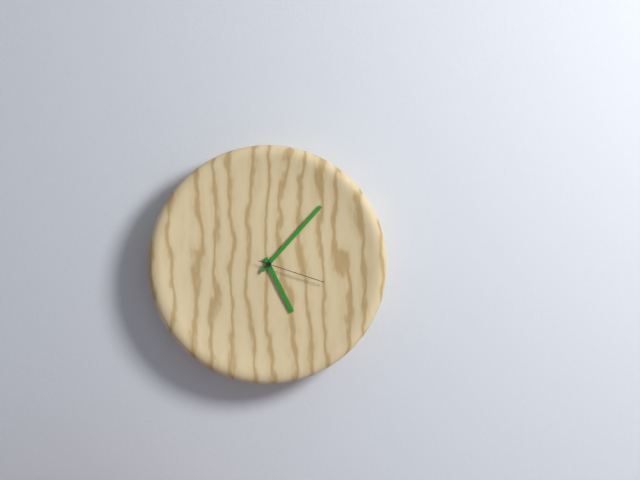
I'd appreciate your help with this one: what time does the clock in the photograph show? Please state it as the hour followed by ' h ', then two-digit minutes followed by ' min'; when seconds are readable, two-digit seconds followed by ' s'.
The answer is 5 h 07 min 18 s
